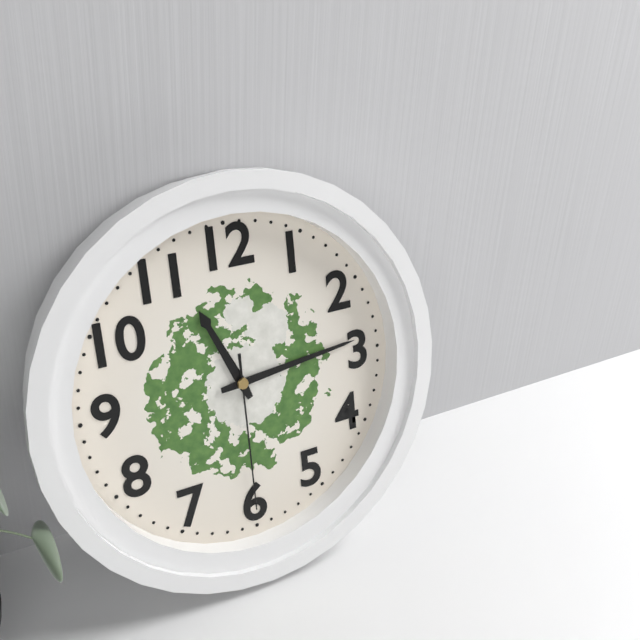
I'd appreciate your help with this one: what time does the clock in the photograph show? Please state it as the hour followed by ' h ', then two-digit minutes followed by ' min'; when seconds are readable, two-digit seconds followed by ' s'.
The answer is 11 h 14 min 30 s
